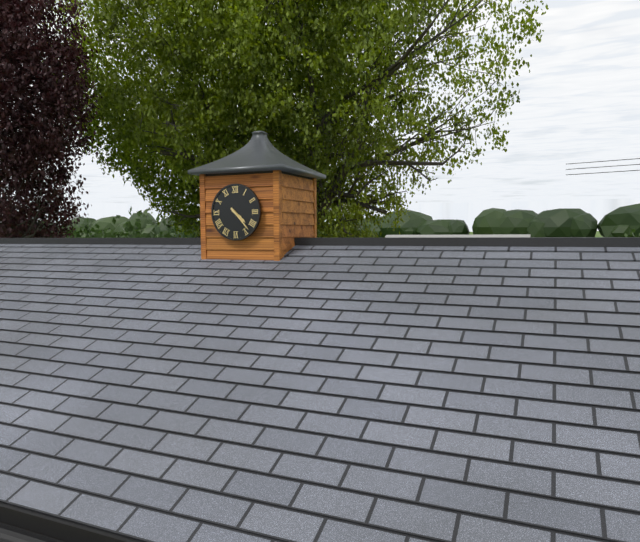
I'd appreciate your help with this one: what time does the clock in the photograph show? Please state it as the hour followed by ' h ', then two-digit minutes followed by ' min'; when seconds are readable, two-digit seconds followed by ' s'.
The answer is 4 h 23 min
